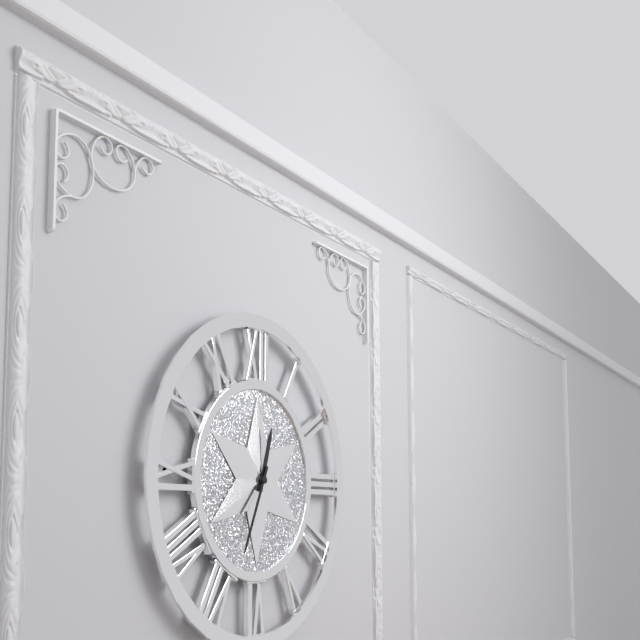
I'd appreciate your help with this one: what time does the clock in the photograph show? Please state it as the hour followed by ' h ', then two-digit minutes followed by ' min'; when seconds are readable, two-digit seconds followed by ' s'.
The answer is 12 h 34 min
